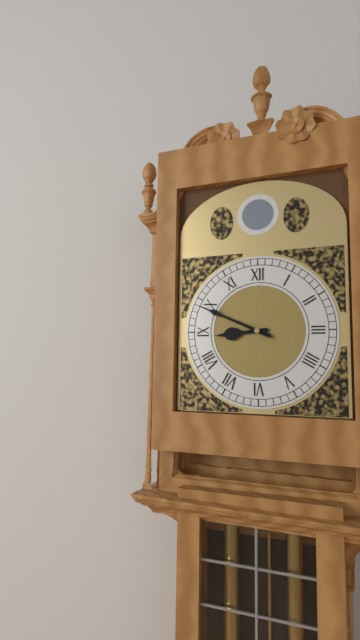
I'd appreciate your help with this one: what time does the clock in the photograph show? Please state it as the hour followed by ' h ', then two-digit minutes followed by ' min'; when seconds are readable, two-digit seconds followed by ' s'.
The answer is 8 h 49 min
